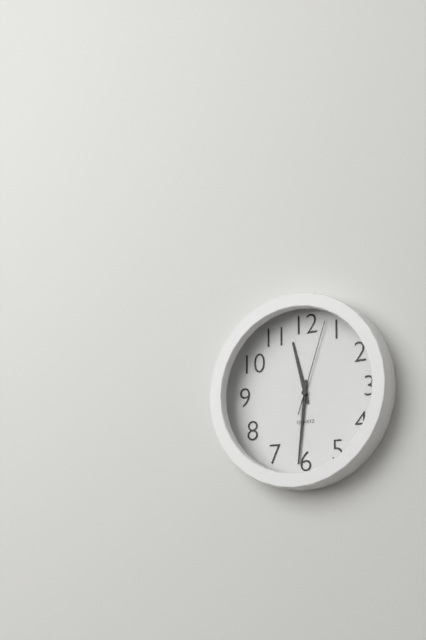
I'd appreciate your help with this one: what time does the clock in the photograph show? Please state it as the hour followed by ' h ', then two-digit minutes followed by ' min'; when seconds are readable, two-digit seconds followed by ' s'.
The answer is 11 h 31 min 03 s
